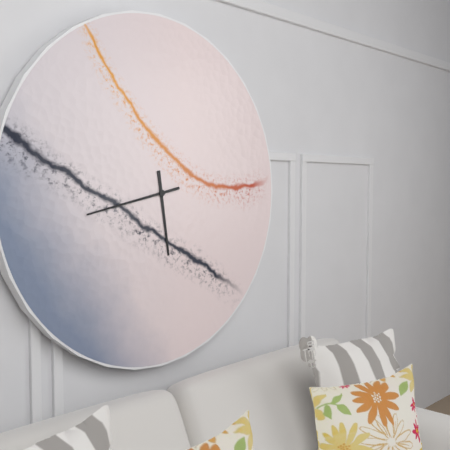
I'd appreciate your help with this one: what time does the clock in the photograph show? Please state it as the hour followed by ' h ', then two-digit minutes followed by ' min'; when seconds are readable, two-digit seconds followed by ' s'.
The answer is 5 h 43 min
